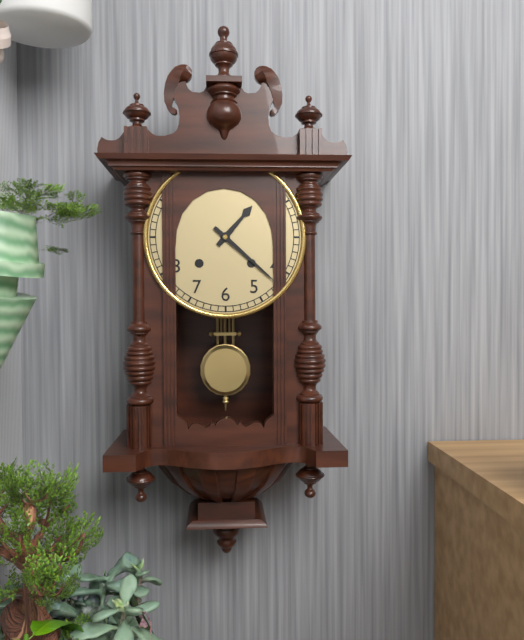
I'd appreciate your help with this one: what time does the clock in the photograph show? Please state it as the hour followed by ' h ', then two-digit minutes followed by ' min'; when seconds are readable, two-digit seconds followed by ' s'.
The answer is 1 h 22 min
